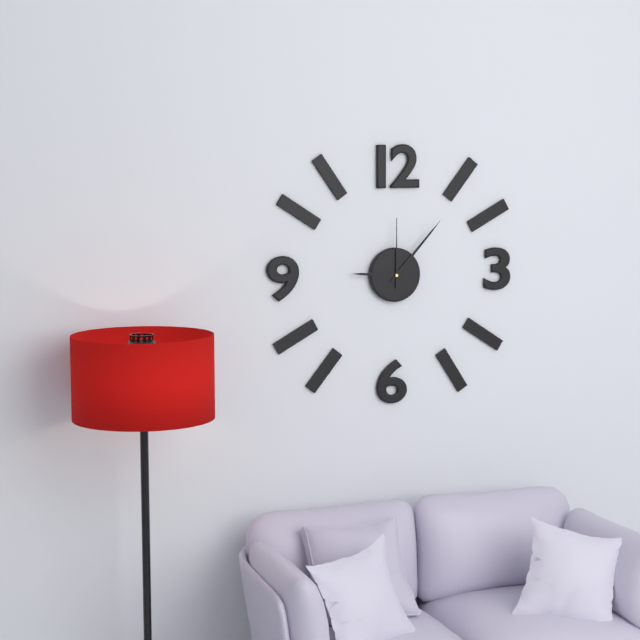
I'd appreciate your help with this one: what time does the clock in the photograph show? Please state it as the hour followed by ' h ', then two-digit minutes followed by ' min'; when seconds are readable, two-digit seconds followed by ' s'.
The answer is 9 h 07 min 00 s
